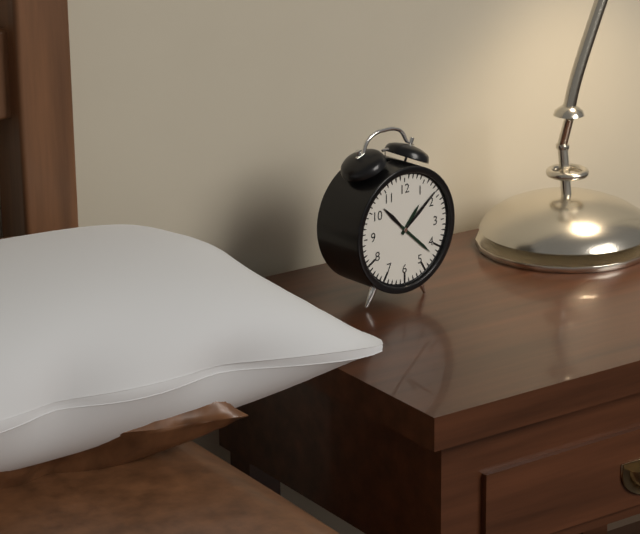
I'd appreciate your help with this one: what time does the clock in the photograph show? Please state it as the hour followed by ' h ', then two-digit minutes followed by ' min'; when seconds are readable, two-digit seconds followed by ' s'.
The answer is 1 h 22 min
